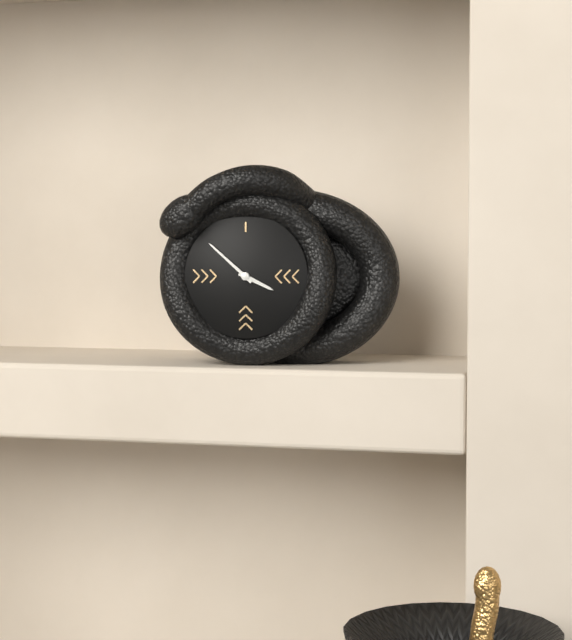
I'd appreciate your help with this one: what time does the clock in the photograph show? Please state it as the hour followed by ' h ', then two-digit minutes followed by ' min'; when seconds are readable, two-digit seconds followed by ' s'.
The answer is 3 h 52 min
